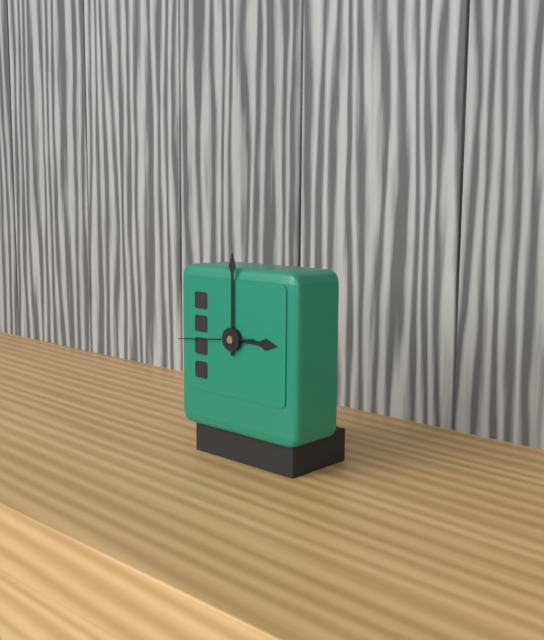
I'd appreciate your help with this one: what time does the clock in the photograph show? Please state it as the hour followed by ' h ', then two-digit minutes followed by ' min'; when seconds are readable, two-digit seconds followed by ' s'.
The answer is 3 h 00 min 44 s
